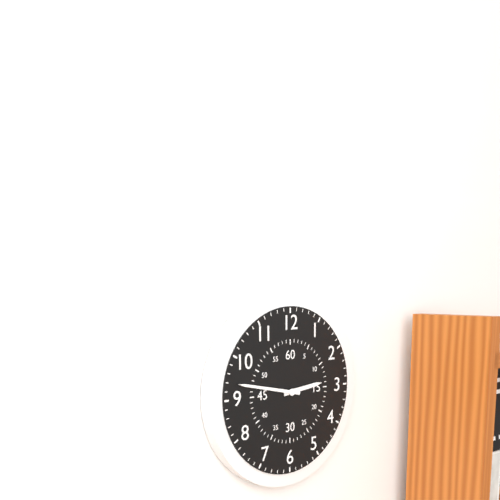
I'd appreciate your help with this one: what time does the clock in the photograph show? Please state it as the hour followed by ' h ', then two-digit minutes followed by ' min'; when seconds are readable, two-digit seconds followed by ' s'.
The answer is 2 h 47 min
